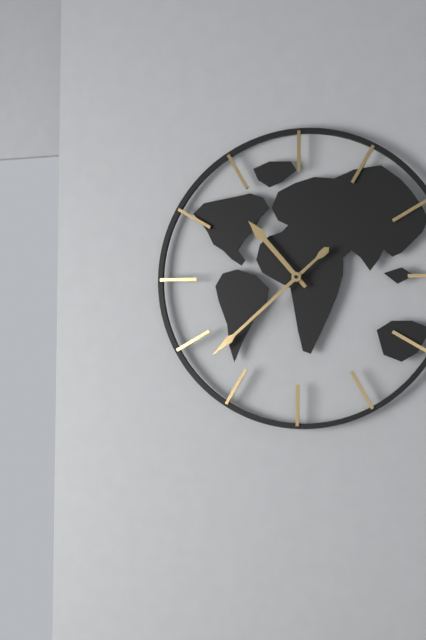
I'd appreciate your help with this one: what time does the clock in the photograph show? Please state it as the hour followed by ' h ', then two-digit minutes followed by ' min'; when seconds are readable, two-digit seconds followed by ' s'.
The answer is 10 h 38 min
